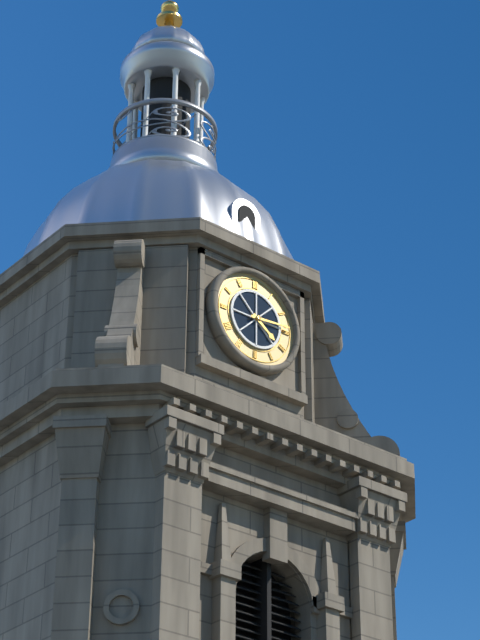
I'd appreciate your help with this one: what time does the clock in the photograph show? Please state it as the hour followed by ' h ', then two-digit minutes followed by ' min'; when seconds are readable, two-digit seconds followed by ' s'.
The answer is 4 h 14 min
